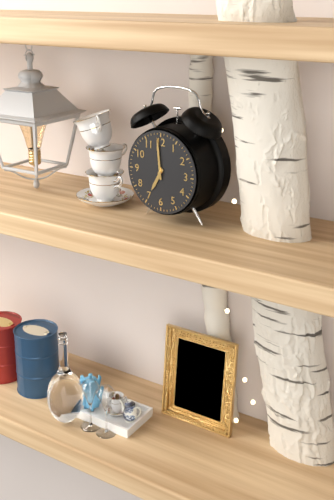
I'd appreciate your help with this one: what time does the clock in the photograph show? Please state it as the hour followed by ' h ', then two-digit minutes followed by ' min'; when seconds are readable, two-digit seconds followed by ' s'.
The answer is 6 h 59 min
